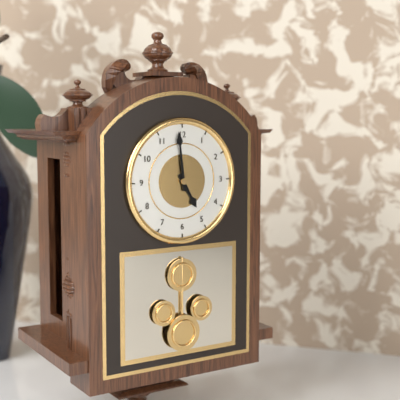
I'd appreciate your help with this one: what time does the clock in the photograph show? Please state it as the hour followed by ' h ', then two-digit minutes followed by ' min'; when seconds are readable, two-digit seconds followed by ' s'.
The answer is 4 h 59 min
